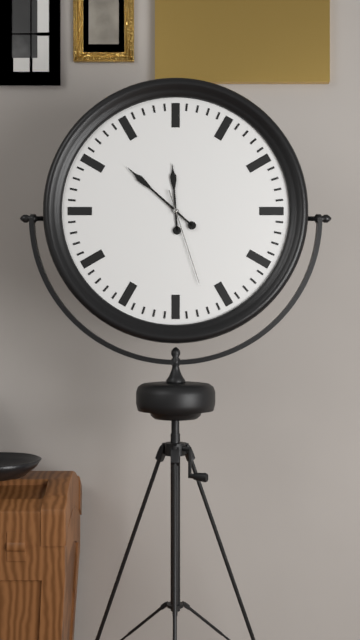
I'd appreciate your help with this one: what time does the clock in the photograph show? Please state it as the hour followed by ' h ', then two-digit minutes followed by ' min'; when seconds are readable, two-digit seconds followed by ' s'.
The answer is 11 h 52 min 27 s
